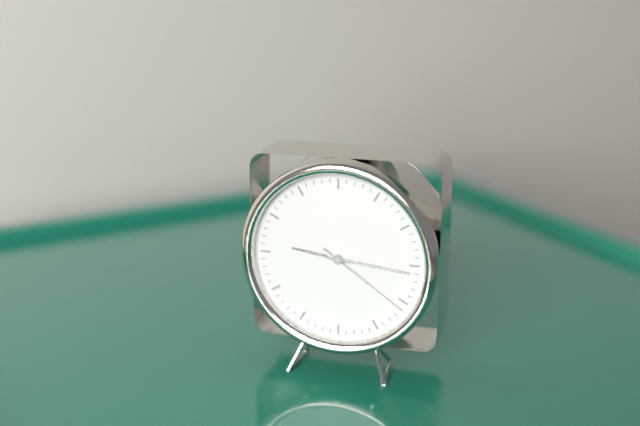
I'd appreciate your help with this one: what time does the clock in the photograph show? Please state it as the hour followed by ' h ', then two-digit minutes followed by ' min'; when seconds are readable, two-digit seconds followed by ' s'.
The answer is 9 h 16 min 21 s
